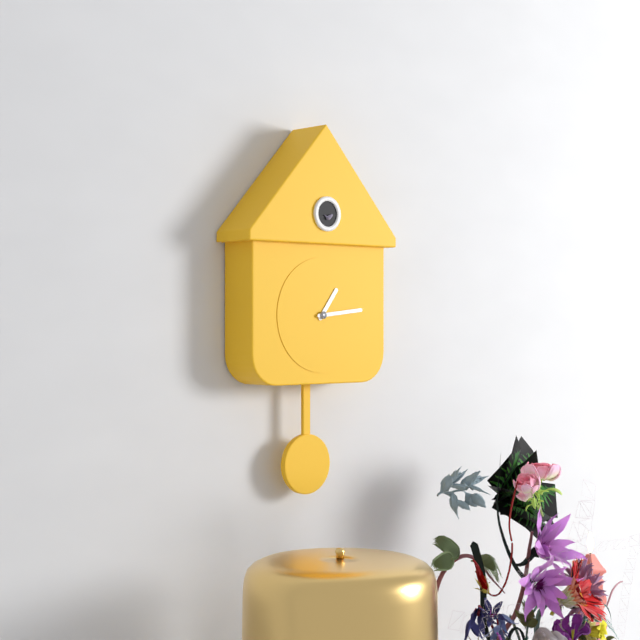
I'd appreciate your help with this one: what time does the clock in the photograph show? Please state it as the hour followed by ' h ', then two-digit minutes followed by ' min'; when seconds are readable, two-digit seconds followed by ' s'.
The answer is 1 h 14 min
